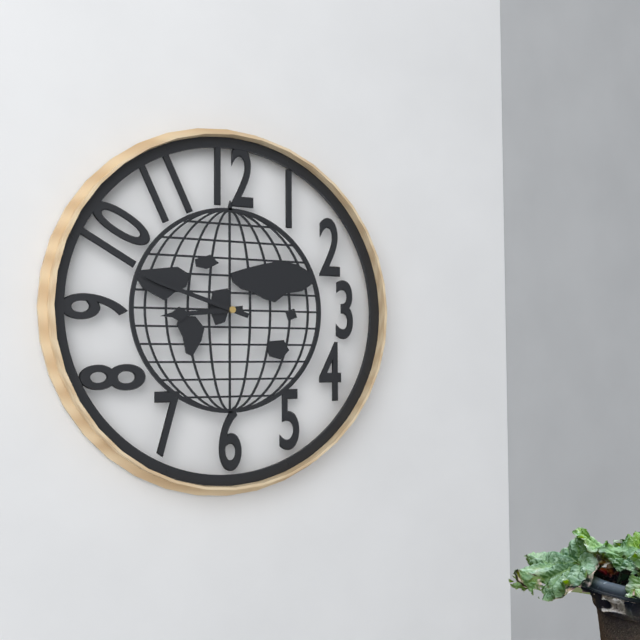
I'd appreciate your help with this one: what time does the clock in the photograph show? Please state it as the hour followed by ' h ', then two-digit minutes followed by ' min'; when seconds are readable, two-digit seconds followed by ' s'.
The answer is 8 h 48 min
